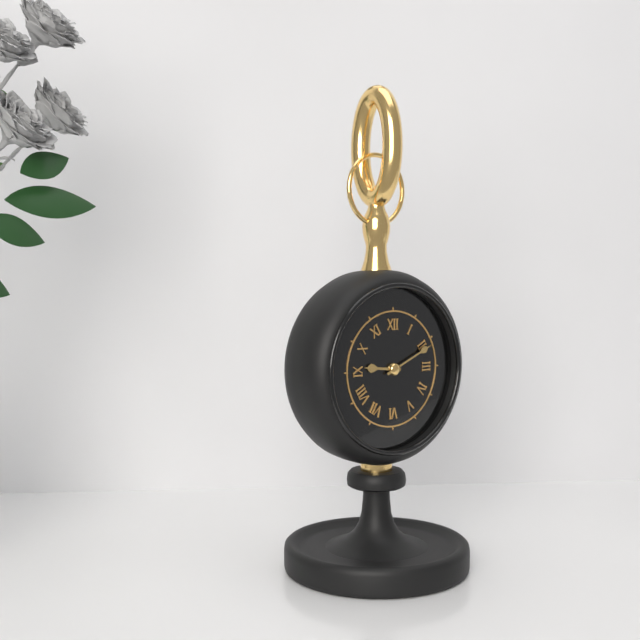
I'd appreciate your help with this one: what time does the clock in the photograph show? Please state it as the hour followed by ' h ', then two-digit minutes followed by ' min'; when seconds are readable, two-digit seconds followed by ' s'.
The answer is 9 h 11 min
